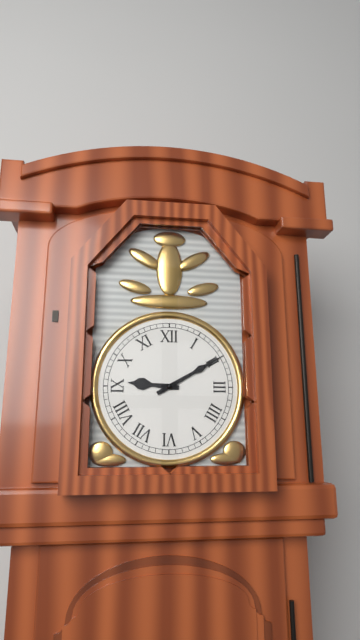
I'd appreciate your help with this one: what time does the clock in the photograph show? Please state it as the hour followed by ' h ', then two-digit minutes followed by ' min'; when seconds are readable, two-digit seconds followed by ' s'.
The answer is 9 h 10 min
